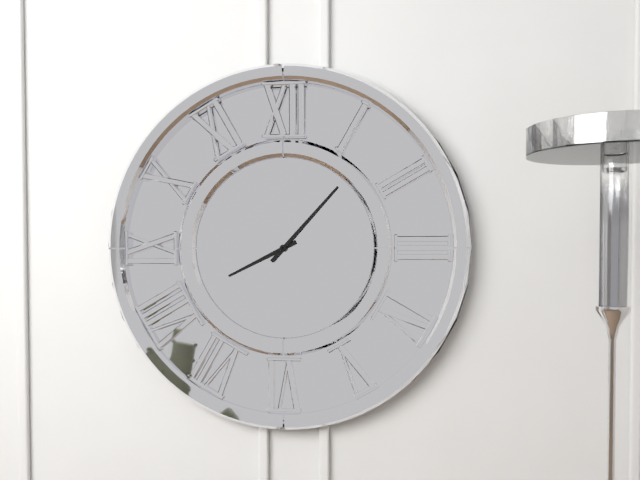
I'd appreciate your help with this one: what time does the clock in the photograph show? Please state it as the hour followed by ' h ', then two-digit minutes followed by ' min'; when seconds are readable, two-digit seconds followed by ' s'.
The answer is 8 h 07 min
